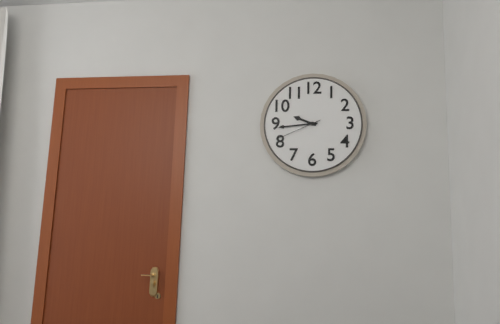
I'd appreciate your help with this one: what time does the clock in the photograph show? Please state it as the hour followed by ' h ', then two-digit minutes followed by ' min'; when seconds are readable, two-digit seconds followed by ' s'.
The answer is 9 h 44 min
